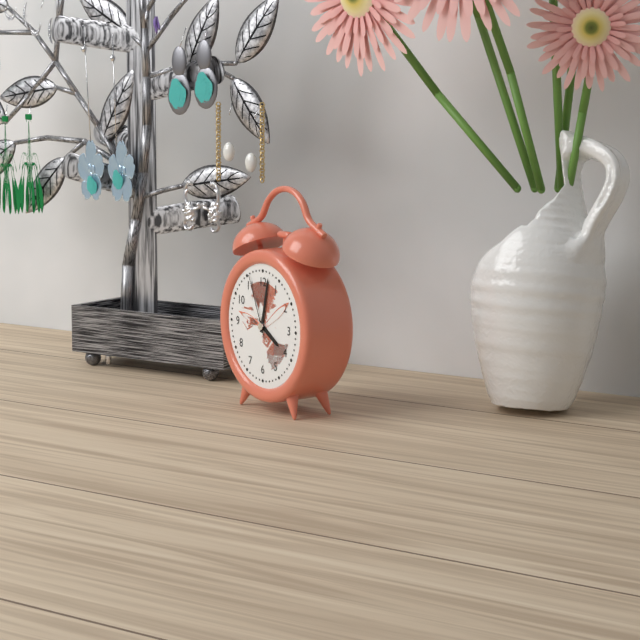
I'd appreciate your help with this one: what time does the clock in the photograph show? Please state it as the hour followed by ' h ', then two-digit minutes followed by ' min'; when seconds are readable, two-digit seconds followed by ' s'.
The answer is 4 h 02 min 56 s
